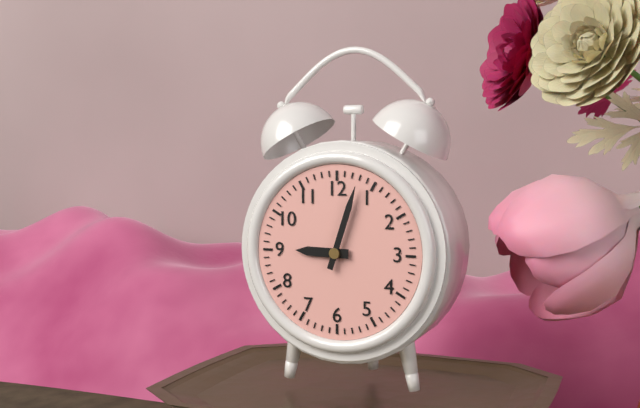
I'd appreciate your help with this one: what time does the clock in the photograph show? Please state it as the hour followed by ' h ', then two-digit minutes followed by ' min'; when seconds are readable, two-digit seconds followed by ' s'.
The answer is 9 h 03 min
